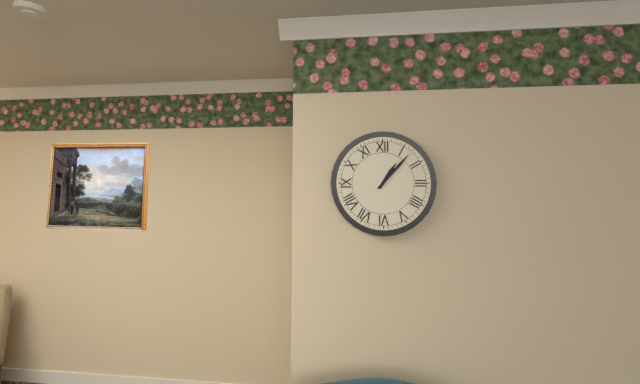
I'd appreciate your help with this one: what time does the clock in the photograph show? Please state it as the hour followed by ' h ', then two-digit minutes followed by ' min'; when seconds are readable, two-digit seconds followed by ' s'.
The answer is 1 h 07 min
